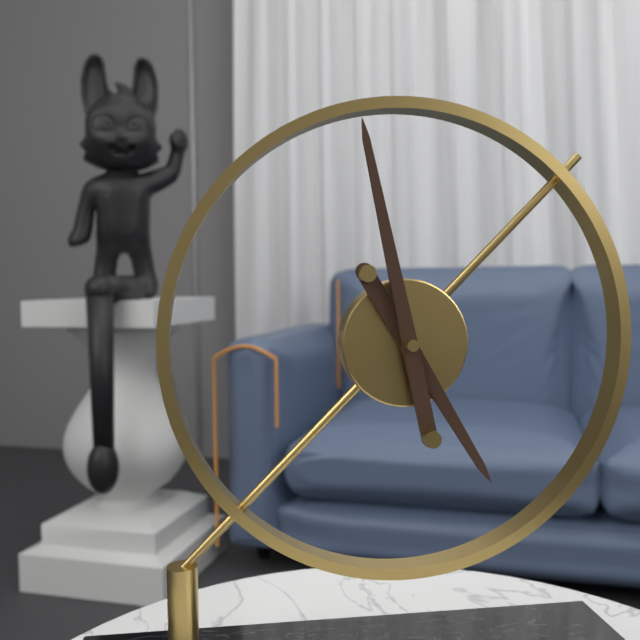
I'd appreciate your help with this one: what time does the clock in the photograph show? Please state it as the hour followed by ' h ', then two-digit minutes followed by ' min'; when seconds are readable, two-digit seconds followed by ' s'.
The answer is 4 h 58 min
